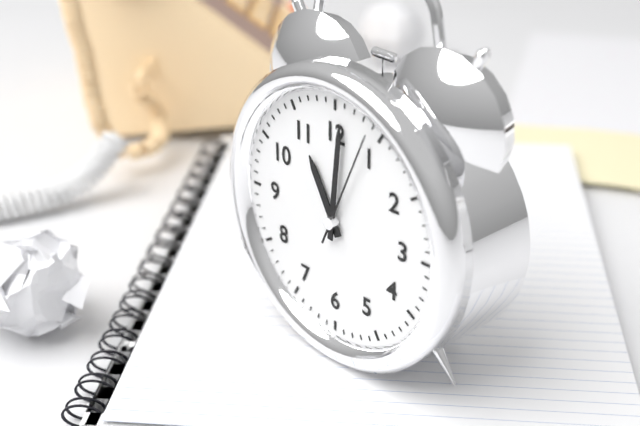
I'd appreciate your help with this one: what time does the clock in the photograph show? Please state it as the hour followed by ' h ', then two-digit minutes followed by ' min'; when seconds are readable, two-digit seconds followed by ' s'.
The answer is 11 h 01 min 04 s
